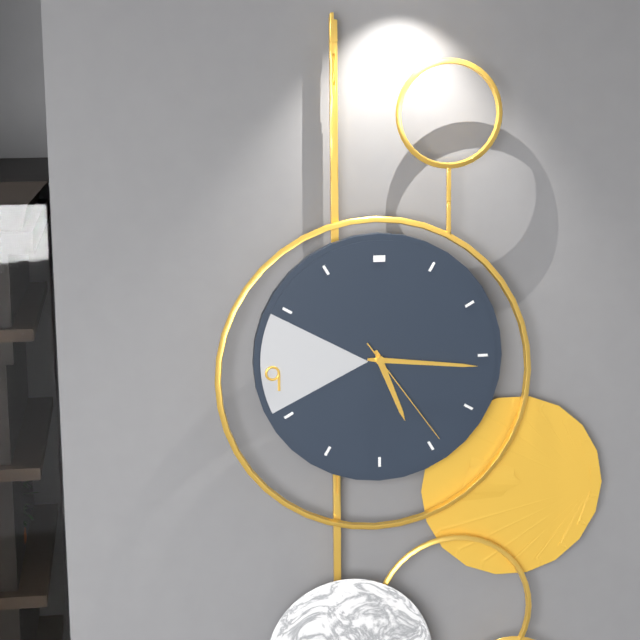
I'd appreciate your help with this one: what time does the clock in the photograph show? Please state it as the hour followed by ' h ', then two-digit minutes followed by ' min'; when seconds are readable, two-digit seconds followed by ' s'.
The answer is 5 h 16 min 24 s
